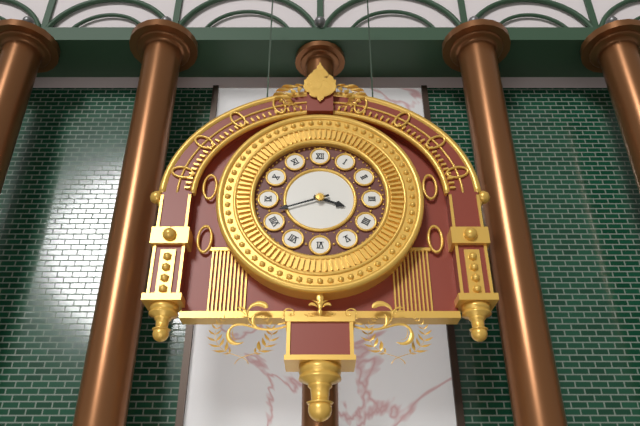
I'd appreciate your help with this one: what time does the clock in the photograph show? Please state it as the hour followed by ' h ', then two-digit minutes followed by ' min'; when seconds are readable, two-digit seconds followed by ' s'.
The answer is 3 h 42 min
